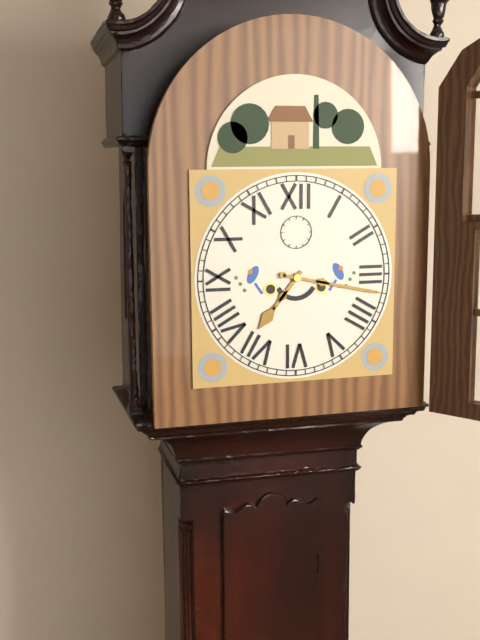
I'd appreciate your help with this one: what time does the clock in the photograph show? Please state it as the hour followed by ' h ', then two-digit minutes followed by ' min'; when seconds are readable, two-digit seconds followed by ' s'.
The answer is 7 h 17 min
